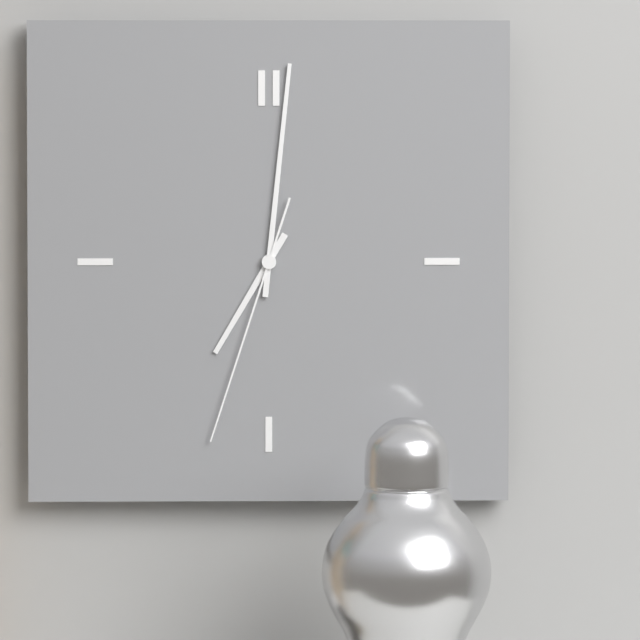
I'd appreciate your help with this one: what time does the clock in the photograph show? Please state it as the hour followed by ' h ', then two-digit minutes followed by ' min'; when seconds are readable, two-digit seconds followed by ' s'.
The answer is 7 h 01 min 33 s
